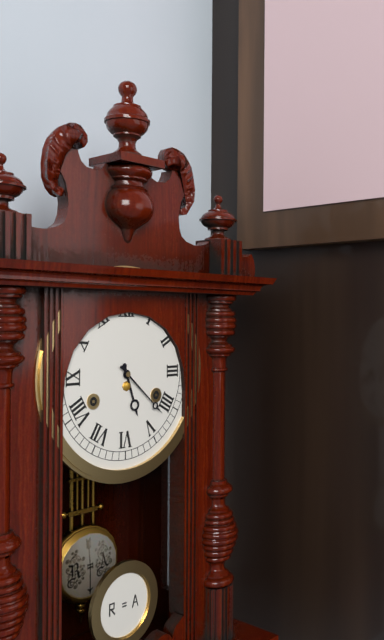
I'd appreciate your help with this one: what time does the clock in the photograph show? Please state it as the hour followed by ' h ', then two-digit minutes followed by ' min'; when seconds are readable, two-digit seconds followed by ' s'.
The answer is 5 h 22 min
